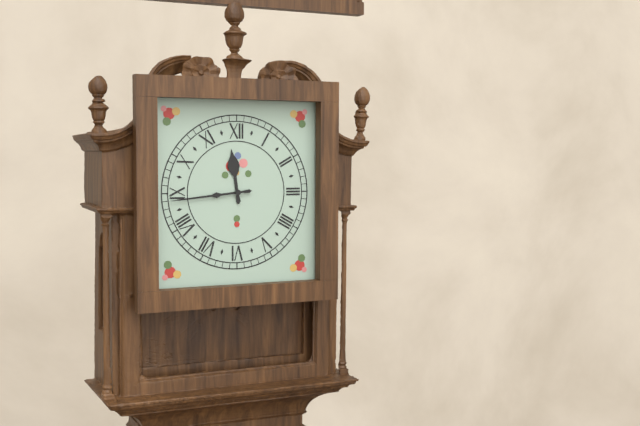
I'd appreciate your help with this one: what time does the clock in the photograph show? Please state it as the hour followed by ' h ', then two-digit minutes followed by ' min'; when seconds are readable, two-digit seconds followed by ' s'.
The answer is 11 h 44 min
